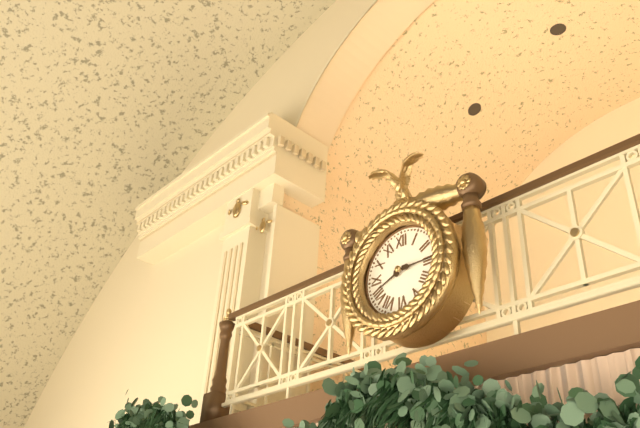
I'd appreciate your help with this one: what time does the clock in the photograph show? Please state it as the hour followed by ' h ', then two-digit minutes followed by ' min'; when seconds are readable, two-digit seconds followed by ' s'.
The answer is 8 h 15 min
